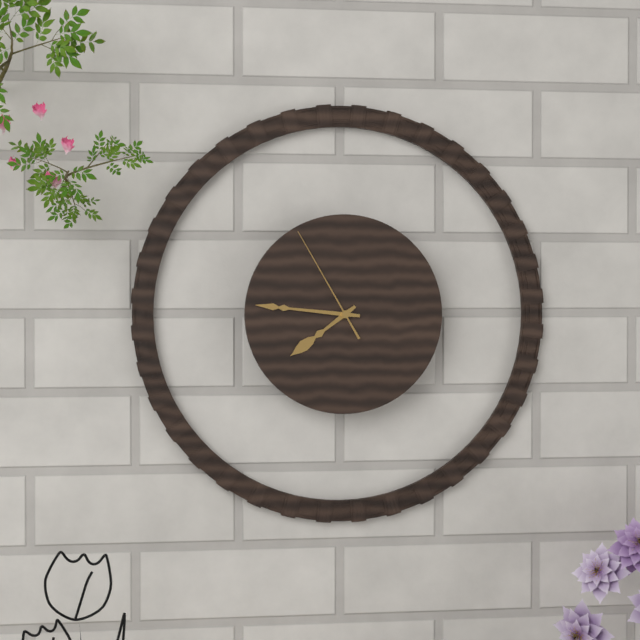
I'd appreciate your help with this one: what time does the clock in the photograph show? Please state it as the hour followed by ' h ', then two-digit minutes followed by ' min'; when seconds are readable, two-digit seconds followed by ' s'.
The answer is 7 h 46 min 55 s
